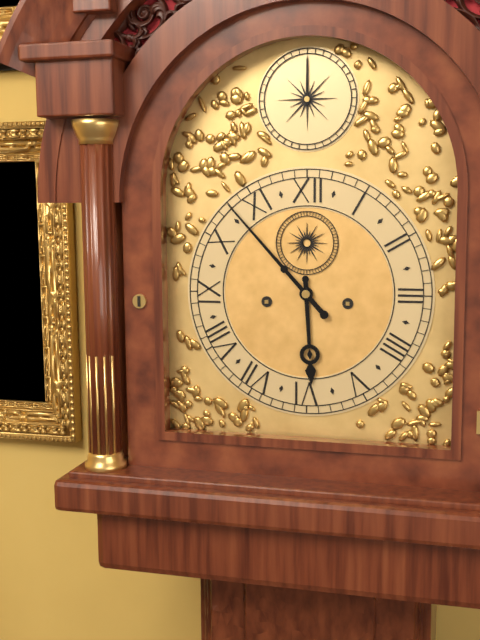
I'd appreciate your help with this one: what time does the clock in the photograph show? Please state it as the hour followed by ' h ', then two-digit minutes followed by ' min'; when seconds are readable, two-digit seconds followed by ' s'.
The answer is 5 h 53 min
